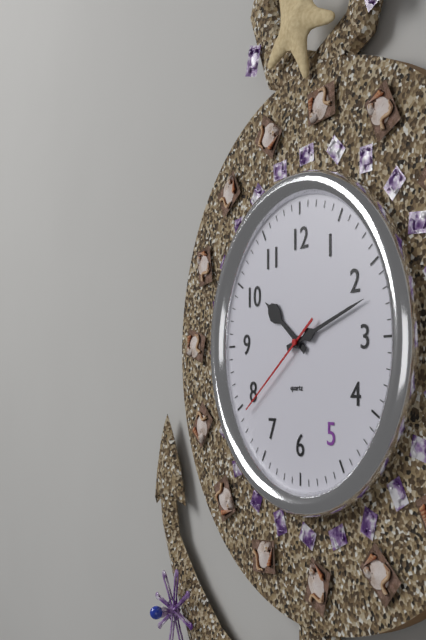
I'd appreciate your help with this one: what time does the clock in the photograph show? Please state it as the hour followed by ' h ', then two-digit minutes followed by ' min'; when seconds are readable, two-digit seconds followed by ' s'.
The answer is 10 h 12 min 39 s
